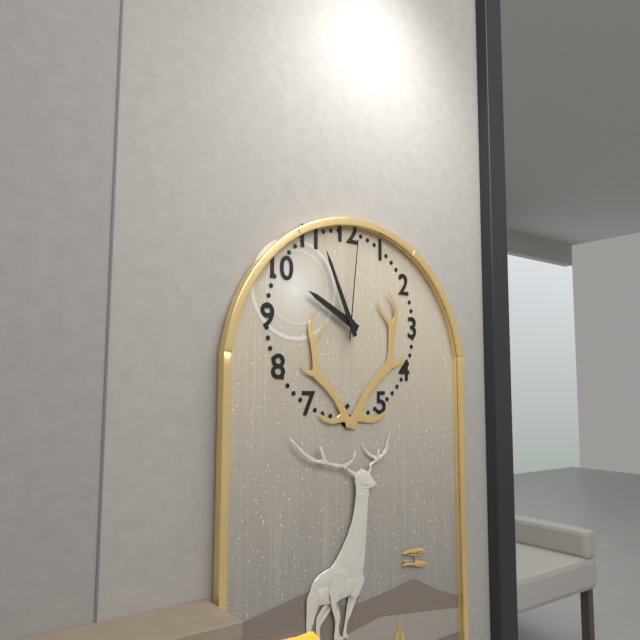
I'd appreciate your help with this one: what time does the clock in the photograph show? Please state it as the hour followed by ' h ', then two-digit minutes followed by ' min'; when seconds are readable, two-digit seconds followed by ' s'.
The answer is 9 h 56 min 01 s
